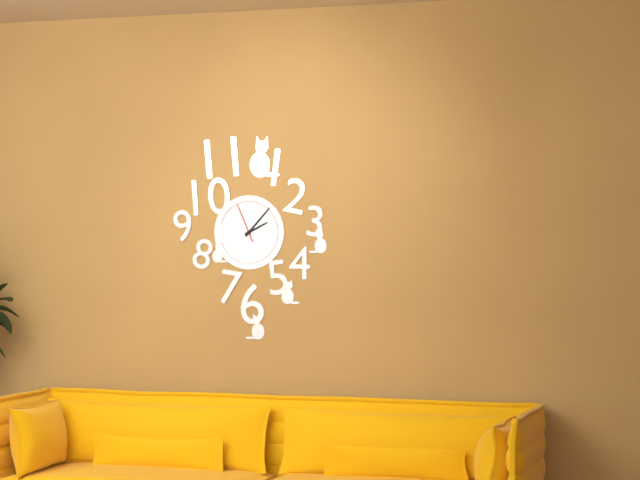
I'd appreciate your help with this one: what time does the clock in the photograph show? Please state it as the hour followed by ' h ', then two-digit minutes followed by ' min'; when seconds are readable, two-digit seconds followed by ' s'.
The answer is 2 h 07 min
